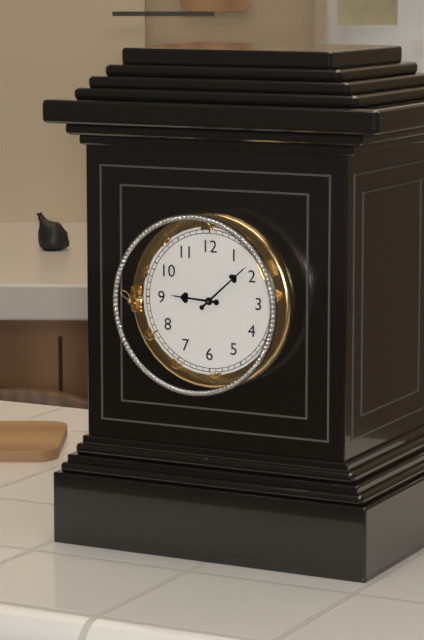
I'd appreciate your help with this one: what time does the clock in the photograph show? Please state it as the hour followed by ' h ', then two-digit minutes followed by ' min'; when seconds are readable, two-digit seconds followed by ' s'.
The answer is 9 h 08 min
